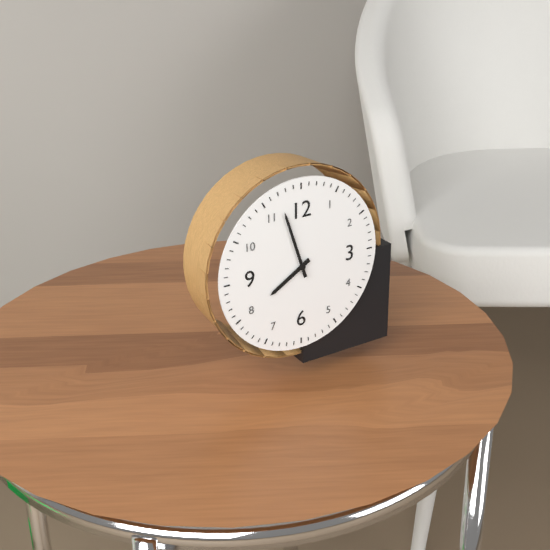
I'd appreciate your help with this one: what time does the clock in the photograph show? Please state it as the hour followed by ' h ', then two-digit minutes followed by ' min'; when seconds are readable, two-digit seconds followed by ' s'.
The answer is 7 h 57 min
